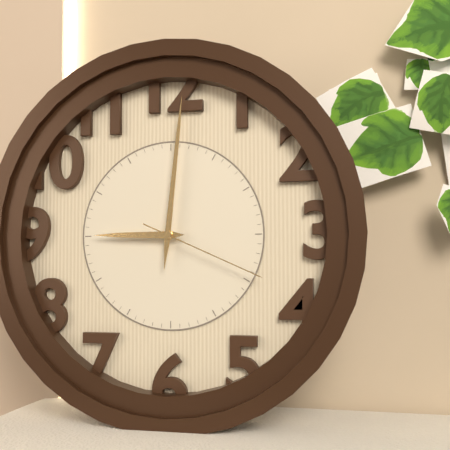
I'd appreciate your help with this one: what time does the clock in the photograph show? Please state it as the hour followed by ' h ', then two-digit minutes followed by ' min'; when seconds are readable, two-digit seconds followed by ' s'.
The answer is 9 h 01 min 19 s
